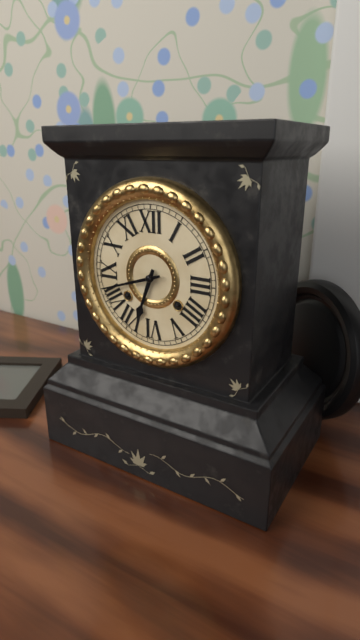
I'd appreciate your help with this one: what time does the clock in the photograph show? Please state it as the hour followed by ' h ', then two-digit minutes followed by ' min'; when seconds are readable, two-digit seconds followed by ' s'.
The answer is 6 h 42 min
